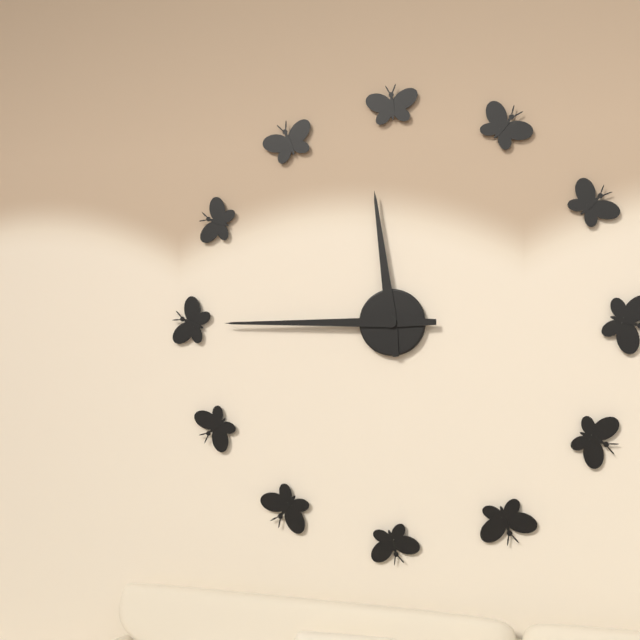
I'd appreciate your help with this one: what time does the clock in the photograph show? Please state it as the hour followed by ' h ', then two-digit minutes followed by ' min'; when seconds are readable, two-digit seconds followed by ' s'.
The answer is 11 h 45 min
